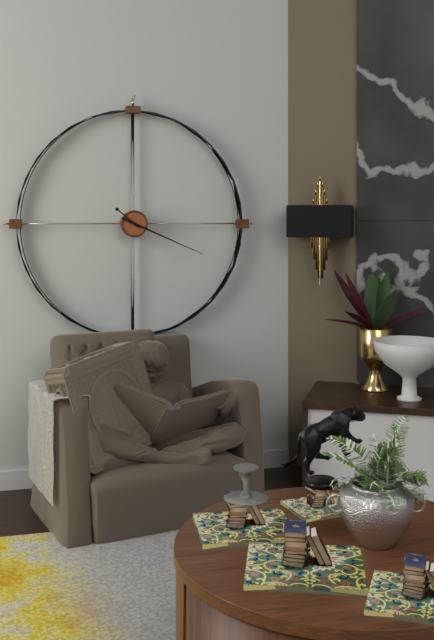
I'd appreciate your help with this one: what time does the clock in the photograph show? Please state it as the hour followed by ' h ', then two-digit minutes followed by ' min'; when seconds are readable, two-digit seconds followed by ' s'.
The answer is 10 h 19 min
